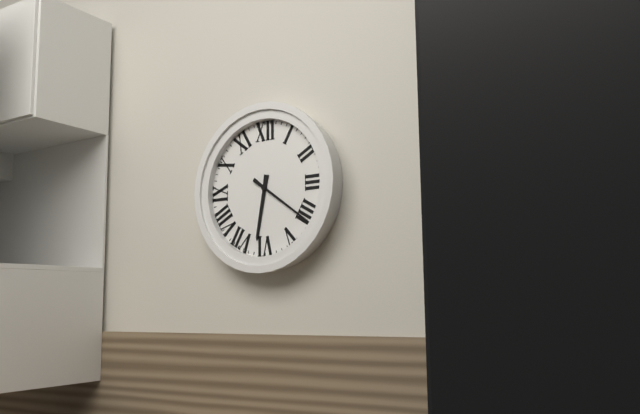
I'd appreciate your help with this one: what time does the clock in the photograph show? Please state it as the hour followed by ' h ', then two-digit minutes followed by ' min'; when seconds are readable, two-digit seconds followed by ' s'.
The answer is 6 h 21 min
